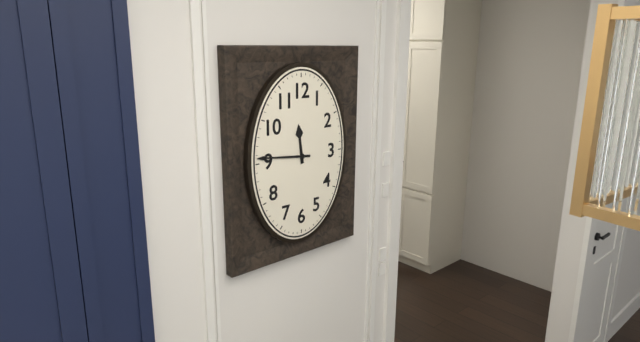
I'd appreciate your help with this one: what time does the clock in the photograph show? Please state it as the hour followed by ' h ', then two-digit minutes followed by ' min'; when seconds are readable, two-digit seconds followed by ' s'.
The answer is 11 h 46 min
